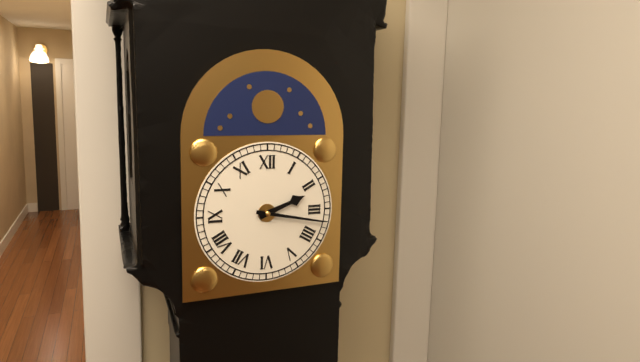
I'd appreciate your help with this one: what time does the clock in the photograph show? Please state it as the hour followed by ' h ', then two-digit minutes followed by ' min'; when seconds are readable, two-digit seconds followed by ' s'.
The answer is 2 h 17 min
